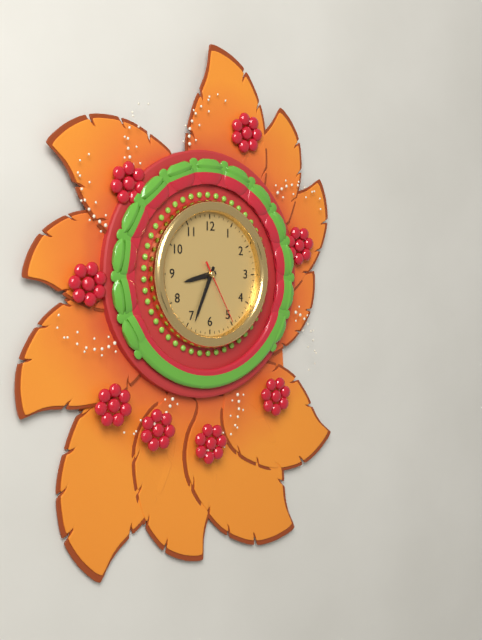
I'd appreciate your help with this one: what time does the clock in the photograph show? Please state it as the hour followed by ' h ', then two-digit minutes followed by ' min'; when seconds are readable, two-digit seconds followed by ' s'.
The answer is 8 h 34 min 25 s
